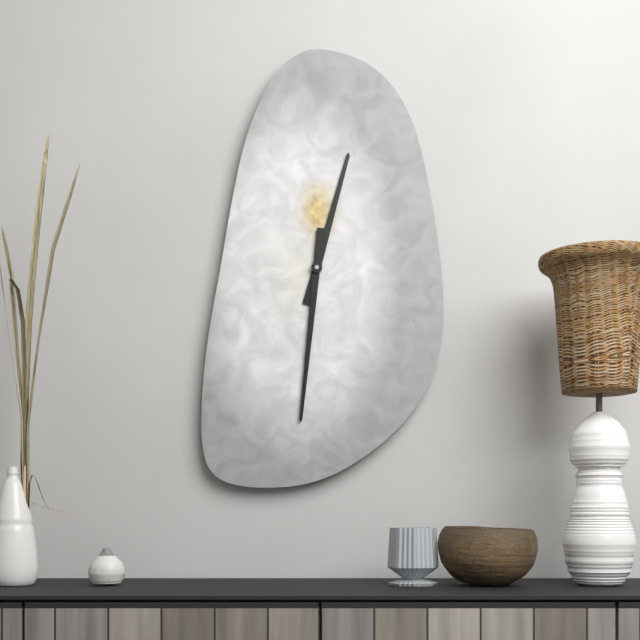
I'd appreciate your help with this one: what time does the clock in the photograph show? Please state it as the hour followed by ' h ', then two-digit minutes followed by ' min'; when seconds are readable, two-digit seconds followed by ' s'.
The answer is 12 h 31 min
